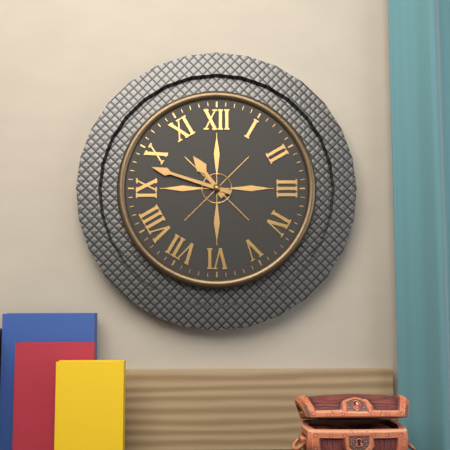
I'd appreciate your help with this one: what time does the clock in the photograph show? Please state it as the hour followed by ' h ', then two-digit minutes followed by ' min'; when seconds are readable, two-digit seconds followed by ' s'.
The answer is 10 h 48 min
